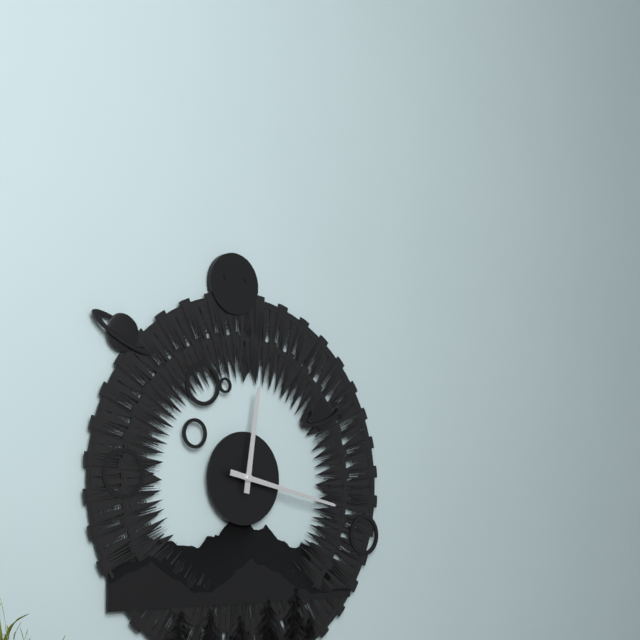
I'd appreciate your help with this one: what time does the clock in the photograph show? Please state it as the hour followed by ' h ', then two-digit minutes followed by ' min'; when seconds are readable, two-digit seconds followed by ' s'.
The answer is 12 h 17 min
